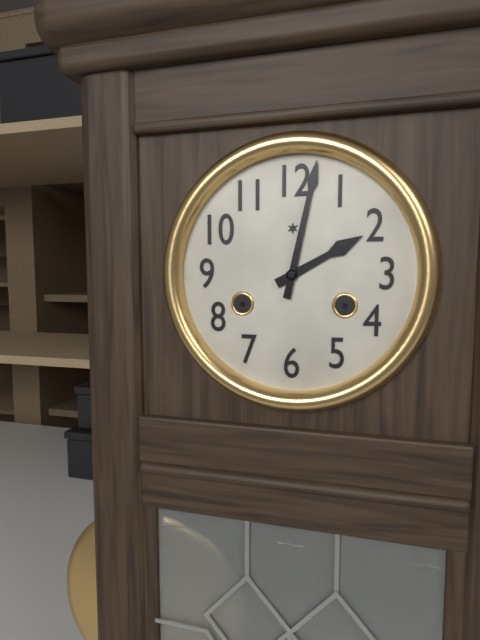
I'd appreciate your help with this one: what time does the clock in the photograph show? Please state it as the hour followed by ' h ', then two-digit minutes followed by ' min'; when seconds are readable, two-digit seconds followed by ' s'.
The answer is 2 h 02 min
